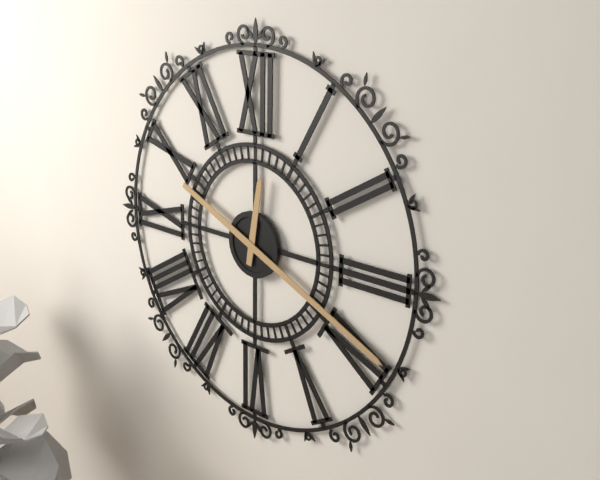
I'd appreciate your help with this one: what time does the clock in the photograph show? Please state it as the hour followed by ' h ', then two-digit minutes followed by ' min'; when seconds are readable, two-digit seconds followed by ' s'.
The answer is 12 h 19 min
